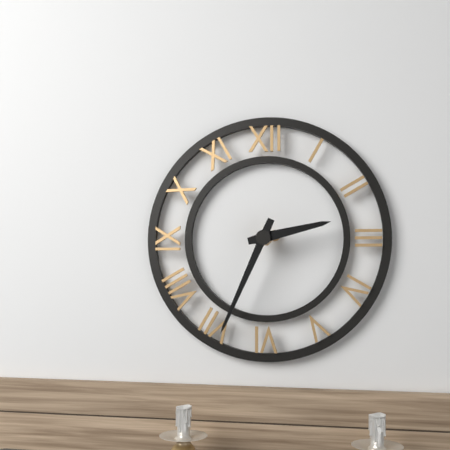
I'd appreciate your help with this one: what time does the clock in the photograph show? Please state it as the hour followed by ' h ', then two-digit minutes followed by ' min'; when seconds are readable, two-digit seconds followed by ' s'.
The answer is 2 h 34 min
